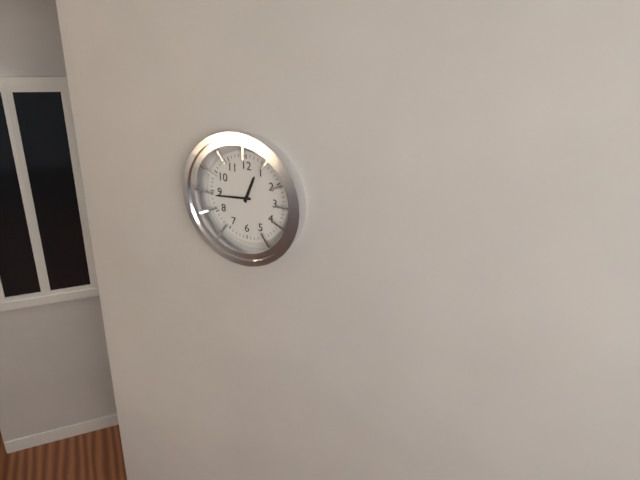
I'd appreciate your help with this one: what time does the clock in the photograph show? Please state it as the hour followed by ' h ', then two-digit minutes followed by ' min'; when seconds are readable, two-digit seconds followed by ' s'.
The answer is 12 h 44 min
